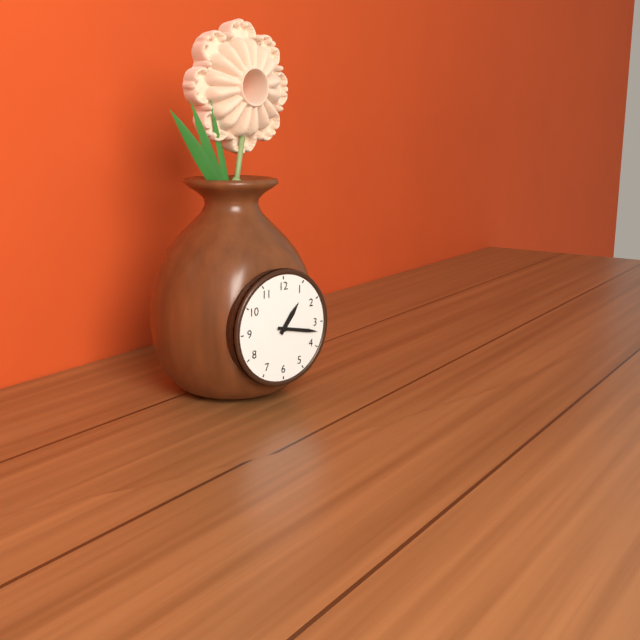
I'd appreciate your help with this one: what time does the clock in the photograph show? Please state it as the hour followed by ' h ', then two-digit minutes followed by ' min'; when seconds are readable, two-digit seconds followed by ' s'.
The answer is 1 h 17 min
